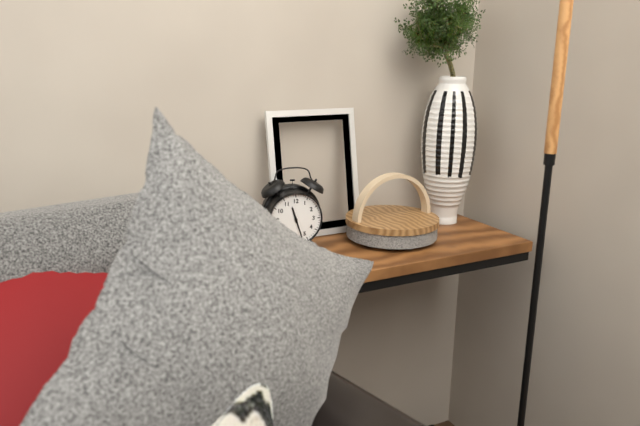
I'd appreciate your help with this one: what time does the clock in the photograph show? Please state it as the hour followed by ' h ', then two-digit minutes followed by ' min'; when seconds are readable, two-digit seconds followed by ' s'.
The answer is 11 h 27 min
